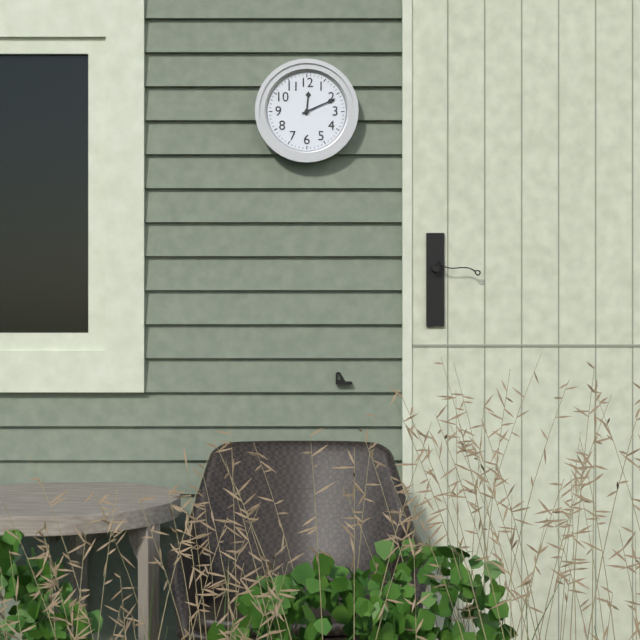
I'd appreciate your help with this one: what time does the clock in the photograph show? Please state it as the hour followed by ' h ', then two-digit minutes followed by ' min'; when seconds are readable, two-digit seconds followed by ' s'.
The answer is 12 h 11 min
